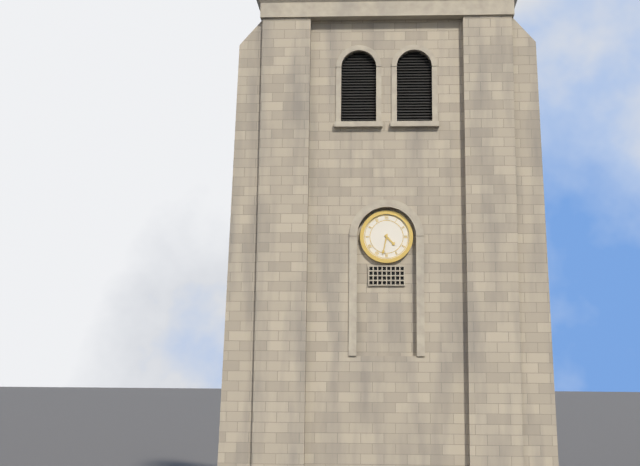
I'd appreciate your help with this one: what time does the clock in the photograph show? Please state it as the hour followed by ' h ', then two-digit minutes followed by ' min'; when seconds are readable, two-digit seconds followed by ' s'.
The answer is 4 h 32 min
